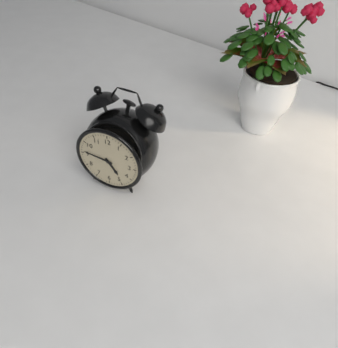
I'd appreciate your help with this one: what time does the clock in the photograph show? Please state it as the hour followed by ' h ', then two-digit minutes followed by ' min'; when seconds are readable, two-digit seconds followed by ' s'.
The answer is 4 h 46 min
